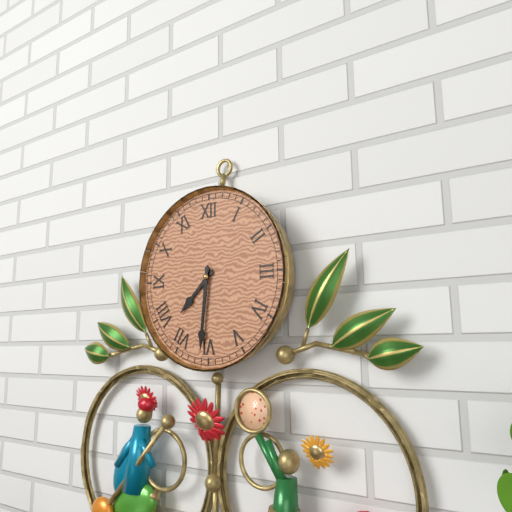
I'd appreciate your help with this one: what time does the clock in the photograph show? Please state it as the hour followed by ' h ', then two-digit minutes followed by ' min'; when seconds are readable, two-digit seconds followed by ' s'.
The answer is 7 h 31 min
